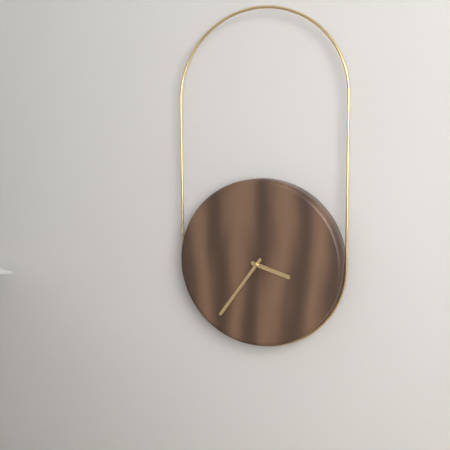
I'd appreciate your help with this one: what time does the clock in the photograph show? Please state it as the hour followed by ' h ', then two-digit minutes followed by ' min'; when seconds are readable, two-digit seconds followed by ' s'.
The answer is 3 h 36 min
